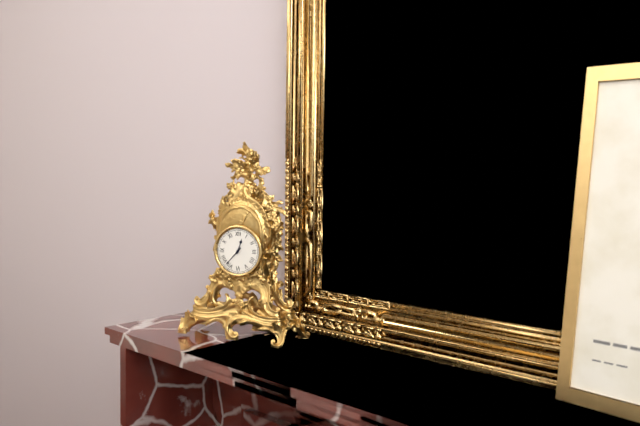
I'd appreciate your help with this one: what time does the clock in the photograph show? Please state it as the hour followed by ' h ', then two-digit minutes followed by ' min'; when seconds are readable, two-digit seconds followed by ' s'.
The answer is 12 h 37 min
